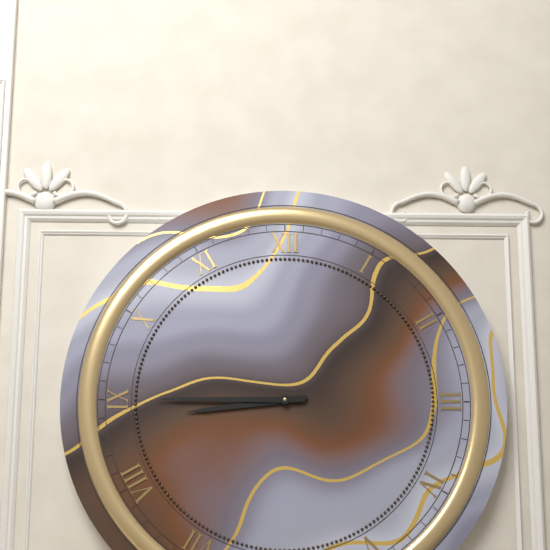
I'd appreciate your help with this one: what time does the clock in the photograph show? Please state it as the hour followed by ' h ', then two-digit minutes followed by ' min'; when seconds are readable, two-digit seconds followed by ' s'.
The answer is 8 h 45 min
